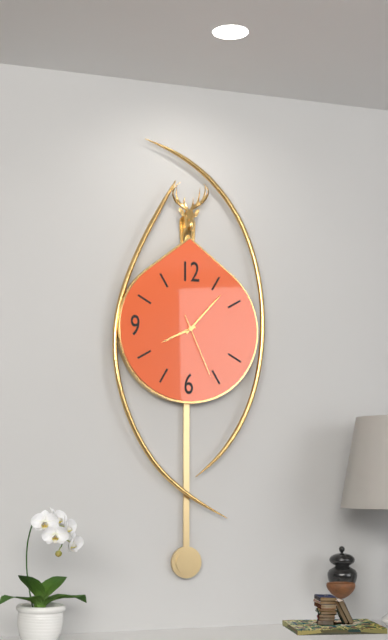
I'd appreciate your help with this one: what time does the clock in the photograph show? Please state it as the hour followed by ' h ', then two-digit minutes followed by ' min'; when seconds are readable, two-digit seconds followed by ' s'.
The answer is 8 h 07 min 26 s
